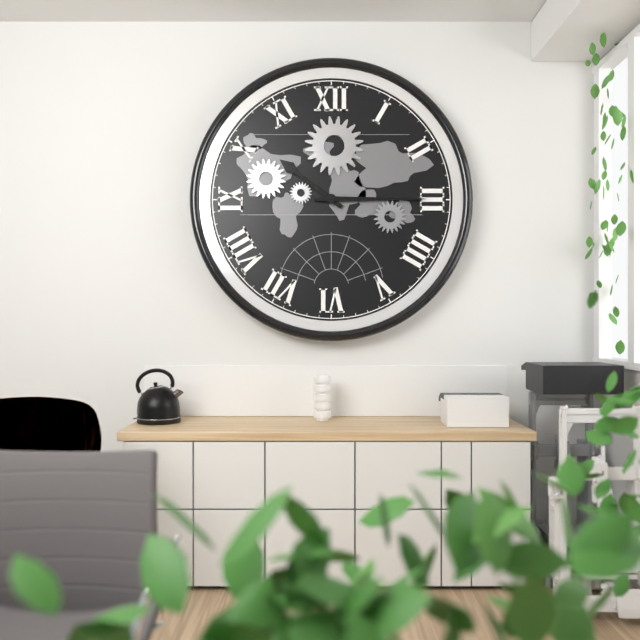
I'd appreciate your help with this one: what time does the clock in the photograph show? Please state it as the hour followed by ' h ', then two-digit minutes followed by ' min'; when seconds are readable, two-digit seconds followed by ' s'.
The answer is 10 h 15 min
